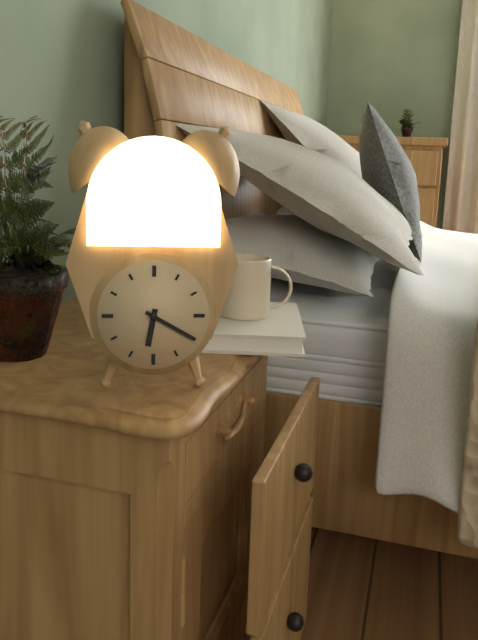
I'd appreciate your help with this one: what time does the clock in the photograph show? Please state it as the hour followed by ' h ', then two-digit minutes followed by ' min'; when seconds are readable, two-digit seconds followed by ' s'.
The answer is 6 h 20 min
